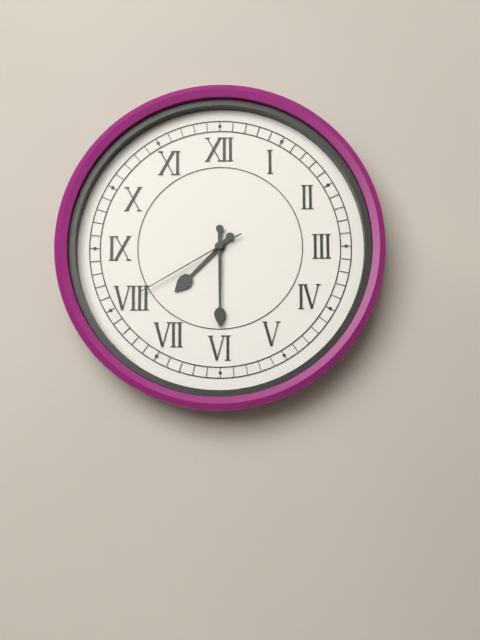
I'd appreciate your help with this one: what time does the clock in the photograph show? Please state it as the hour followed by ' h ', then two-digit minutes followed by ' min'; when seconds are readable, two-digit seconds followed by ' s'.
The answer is 7 h 30 min 40 s
